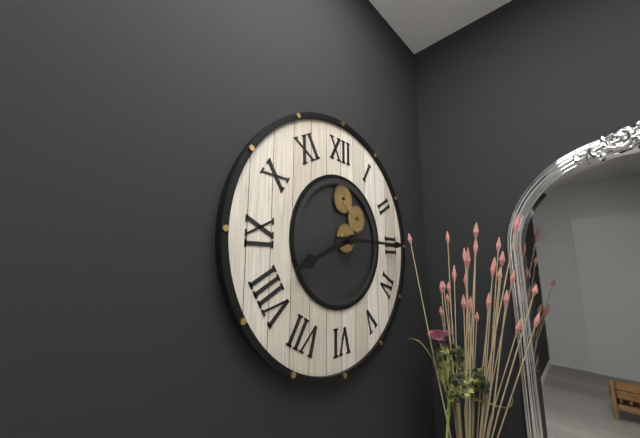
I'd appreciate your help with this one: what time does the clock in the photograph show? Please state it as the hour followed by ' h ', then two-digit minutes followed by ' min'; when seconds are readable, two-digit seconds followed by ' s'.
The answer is 8 h 15 min
